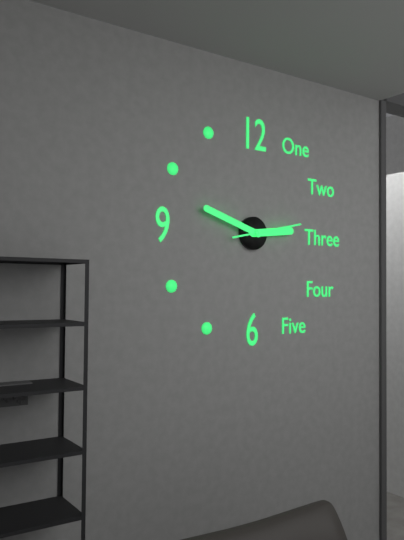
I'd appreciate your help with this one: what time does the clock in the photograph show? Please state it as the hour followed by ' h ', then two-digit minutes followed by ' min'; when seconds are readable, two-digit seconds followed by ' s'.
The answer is 2 h 48 min 13 s
